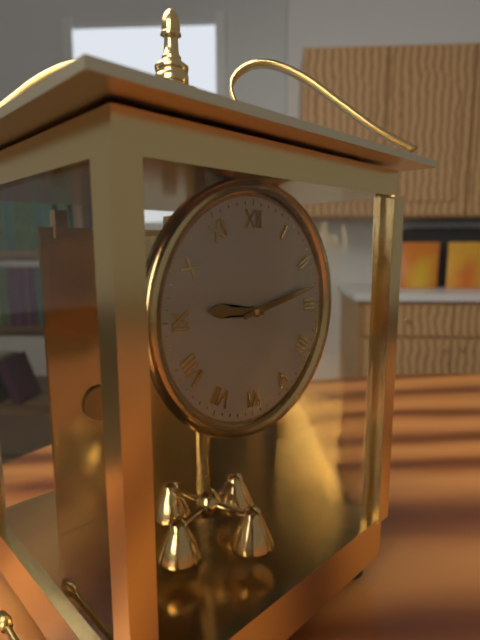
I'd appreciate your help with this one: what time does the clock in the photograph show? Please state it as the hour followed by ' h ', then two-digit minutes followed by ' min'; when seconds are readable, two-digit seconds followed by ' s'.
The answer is 9 h 13 min
